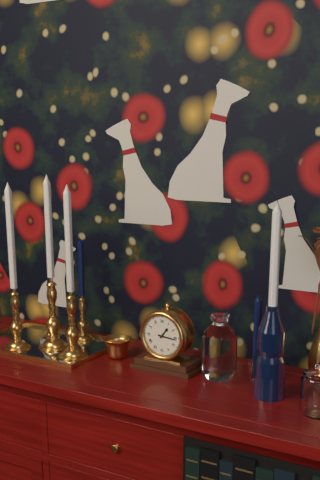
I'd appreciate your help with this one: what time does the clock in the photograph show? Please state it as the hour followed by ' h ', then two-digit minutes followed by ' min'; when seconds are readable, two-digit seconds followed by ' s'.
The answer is 1 h 16 min
